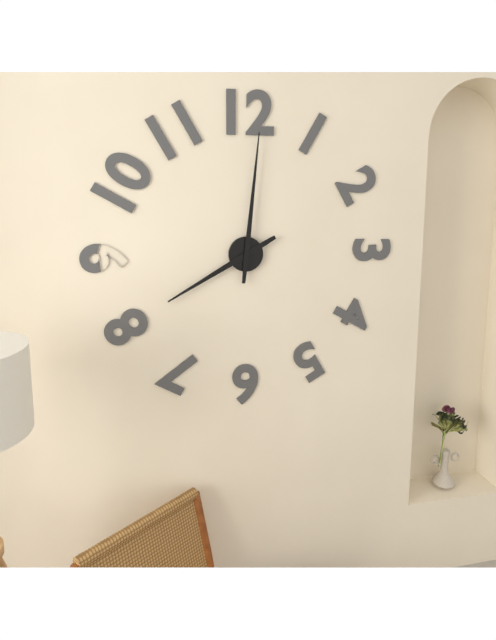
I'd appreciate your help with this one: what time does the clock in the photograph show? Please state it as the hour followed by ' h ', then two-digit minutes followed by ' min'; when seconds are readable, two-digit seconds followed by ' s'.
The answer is 8 h 01 min
